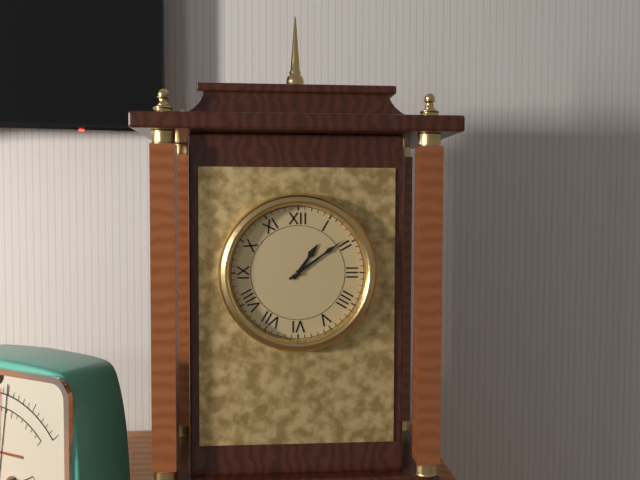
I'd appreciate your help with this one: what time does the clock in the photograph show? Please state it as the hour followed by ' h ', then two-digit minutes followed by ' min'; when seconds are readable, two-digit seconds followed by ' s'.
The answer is 1 h 09 min
